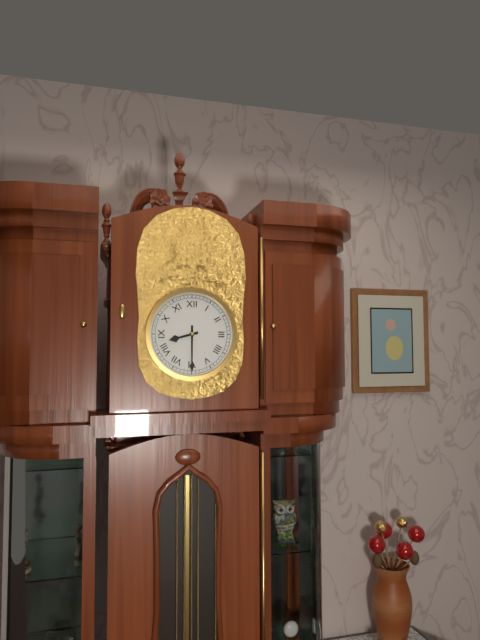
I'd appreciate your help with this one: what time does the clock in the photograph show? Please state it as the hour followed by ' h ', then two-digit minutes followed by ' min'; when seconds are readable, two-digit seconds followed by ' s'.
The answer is 8 h 30 min
